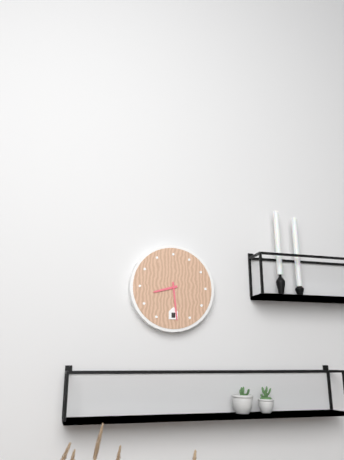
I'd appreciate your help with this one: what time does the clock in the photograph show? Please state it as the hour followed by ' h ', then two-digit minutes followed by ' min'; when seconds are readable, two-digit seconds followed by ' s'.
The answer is 8 h 29 min
